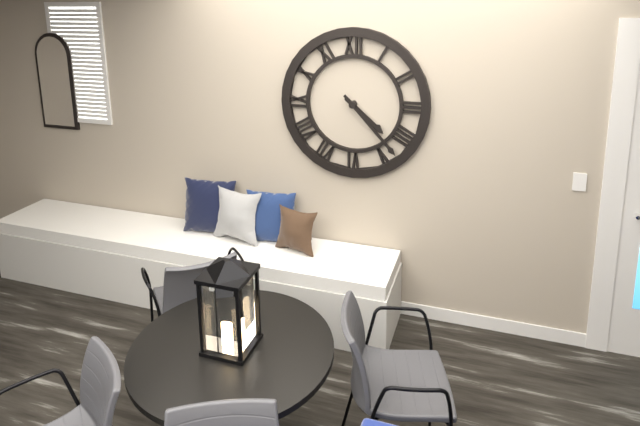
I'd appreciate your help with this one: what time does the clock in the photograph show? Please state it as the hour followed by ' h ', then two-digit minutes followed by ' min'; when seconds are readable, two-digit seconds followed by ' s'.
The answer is 4 h 23 min
